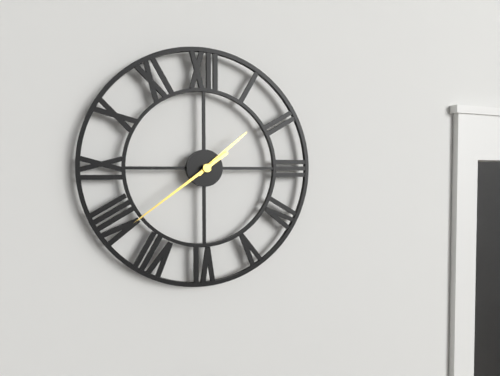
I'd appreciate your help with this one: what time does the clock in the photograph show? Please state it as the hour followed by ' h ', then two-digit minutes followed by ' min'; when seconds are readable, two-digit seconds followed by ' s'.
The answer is 1 h 39 min
